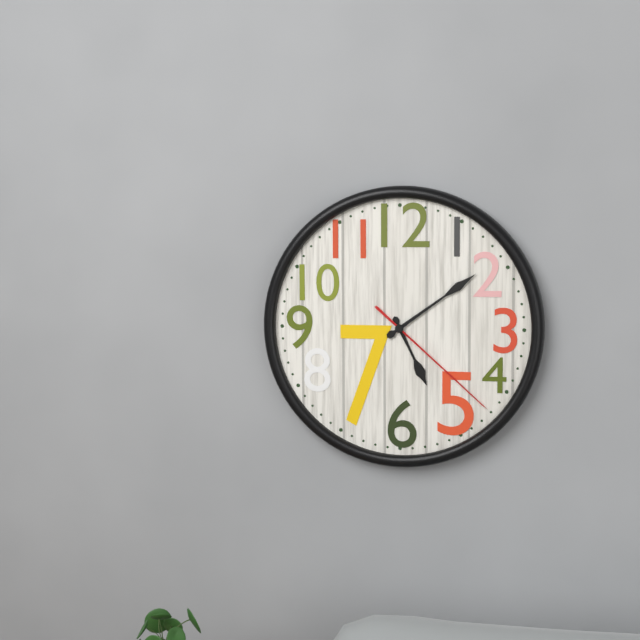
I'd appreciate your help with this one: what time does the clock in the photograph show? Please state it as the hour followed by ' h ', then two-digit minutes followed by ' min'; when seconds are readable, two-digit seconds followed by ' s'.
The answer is 5 h 09 min 22 s
